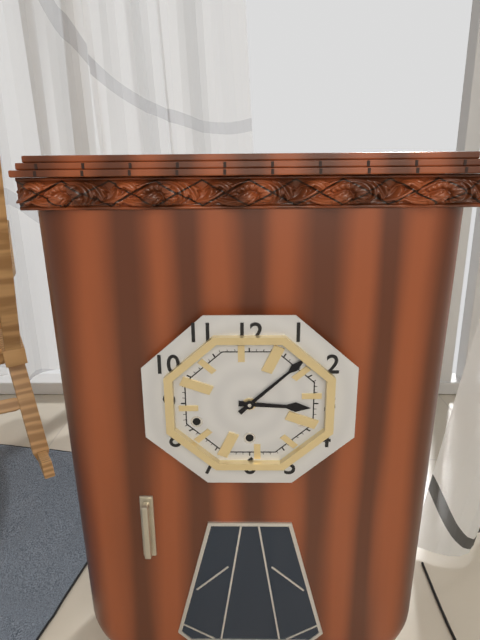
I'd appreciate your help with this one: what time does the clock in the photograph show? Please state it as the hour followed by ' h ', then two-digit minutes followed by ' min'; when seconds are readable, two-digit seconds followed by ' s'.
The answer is 3 h 08 min
